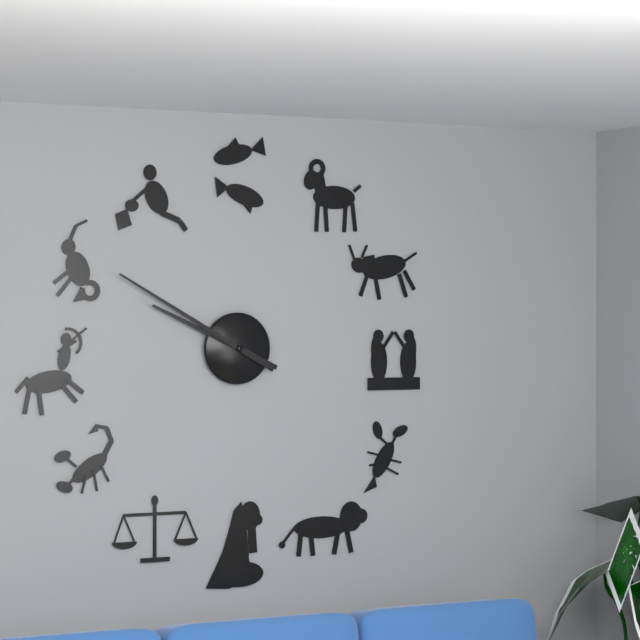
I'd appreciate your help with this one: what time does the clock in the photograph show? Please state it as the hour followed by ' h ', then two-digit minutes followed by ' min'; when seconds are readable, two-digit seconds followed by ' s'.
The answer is 9 h 50 min
